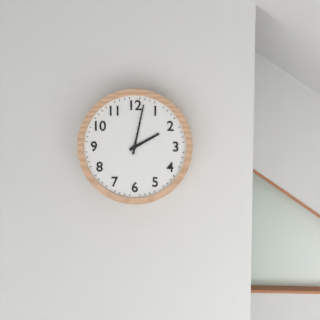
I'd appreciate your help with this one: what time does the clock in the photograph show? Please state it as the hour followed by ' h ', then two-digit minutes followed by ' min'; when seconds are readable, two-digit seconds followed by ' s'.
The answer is 2 h 02 min
